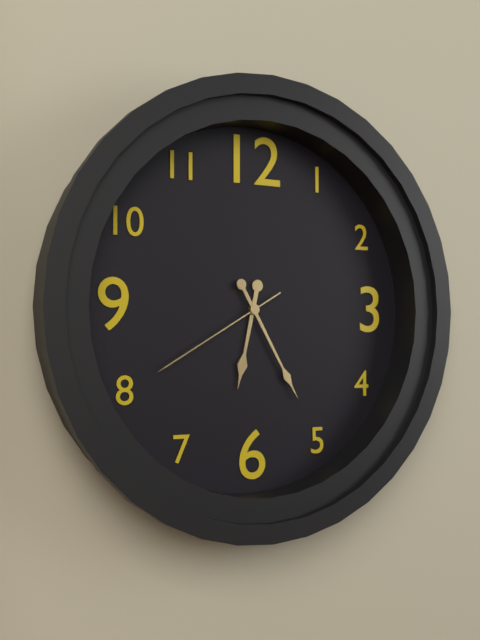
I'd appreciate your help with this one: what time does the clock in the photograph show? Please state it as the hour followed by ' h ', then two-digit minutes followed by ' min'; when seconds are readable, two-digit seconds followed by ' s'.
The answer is 6 h 25 min 40 s
